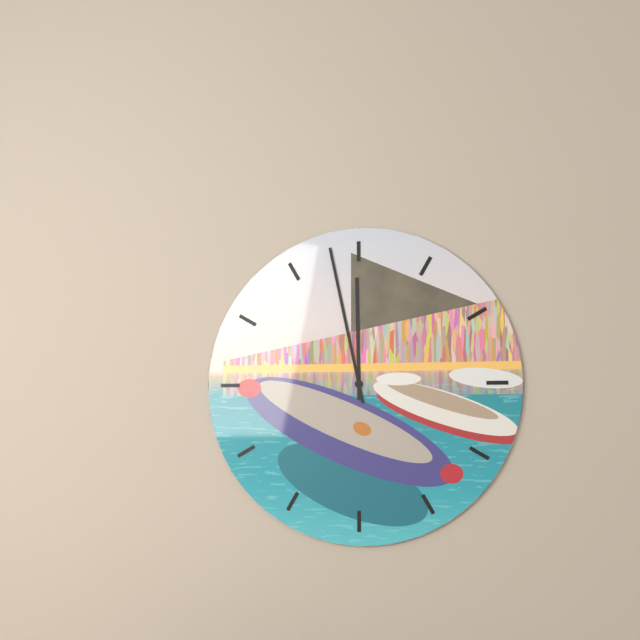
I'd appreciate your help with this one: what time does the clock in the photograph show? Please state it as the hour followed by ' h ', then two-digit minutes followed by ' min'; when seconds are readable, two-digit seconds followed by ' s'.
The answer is 11 h 58 min
